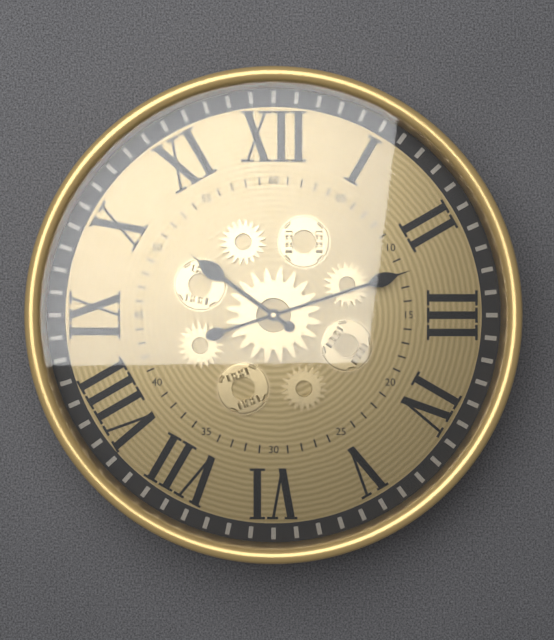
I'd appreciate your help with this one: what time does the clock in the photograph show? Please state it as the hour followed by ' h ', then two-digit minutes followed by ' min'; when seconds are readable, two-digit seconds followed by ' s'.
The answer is 10 h 12 min
